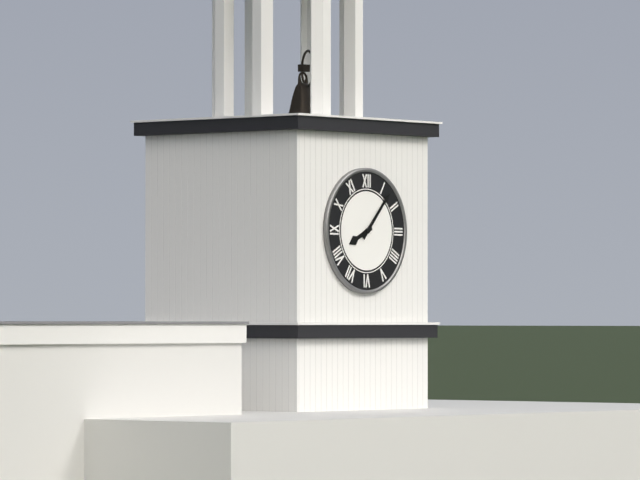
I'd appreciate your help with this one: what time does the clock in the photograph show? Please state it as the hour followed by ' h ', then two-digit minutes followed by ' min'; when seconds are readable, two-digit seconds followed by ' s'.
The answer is 8 h 07 min
